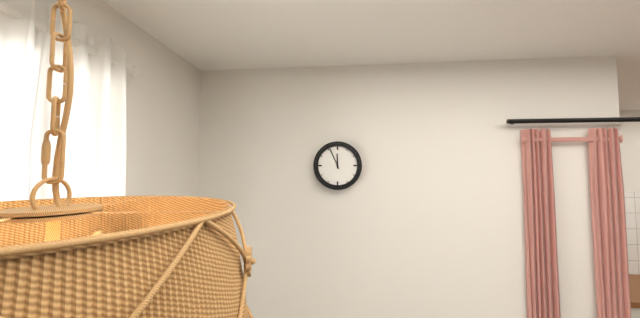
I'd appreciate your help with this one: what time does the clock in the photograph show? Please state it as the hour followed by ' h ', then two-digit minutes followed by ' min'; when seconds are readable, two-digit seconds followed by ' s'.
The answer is 11 h 56 min
